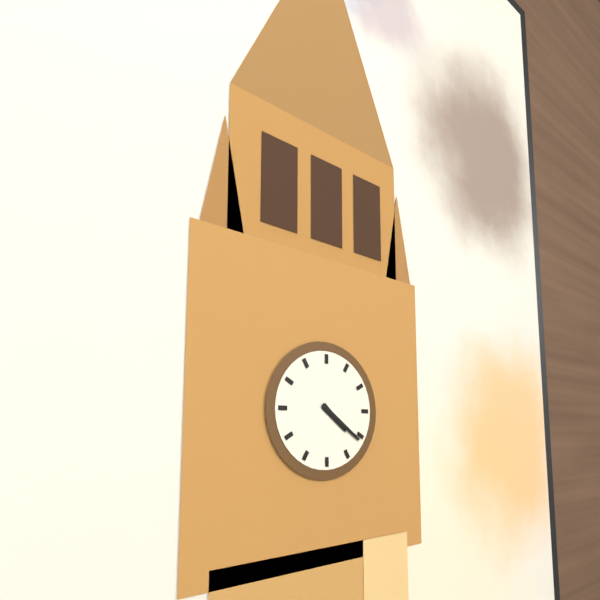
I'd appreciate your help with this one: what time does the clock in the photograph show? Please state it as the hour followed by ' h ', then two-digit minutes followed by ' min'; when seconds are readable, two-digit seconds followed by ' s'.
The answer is 4 h 21 min
